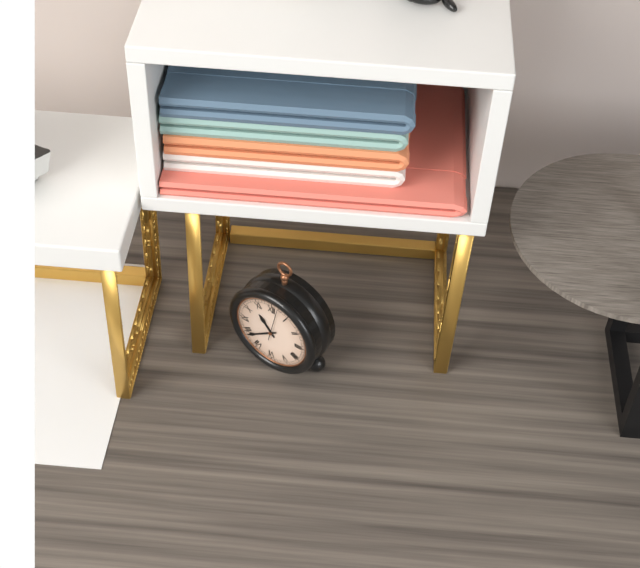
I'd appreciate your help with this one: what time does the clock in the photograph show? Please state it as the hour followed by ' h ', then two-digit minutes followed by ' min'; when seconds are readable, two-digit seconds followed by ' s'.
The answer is 10 h 39 min
